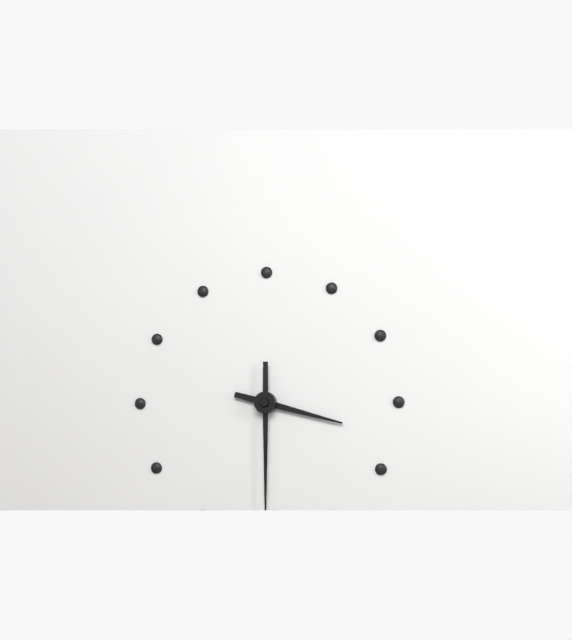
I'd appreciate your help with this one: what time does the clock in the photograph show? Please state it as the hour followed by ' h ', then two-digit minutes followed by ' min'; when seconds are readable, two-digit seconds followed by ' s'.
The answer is 3 h 30 min
